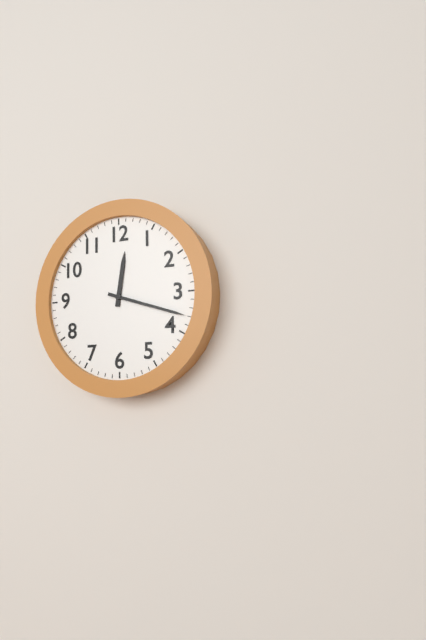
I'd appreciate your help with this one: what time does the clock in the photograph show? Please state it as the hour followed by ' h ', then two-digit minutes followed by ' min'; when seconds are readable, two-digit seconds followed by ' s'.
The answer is 12 h 18 min
